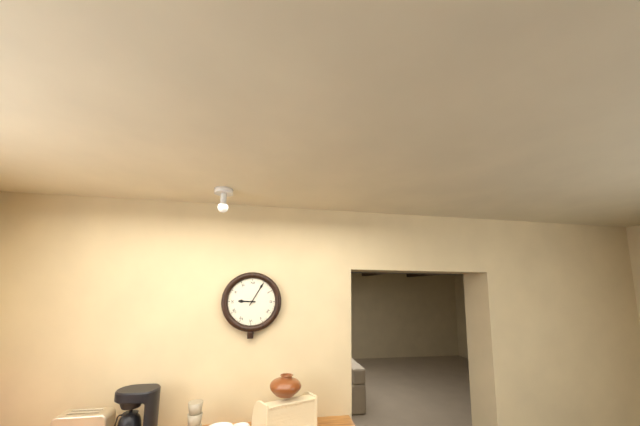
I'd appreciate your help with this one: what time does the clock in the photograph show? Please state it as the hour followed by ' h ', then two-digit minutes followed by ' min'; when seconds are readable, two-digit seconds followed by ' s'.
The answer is 9 h 05 min
